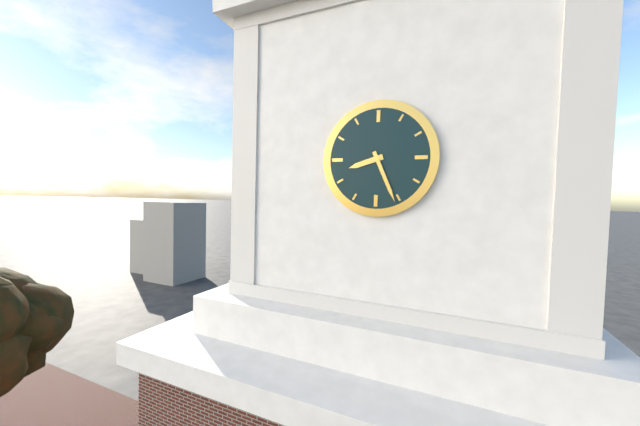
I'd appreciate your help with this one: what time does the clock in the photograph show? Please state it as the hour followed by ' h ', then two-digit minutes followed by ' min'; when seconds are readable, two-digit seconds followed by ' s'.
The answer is 8 h 26 min
